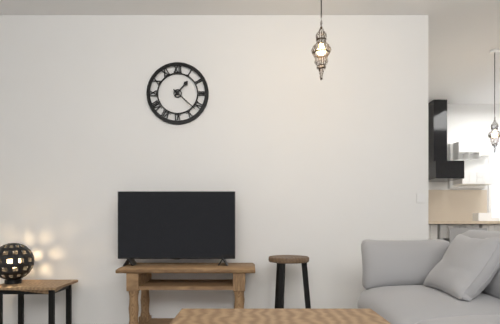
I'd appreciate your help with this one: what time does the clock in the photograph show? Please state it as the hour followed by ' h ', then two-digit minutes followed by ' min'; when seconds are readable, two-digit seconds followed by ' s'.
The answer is 1 h 22 min
